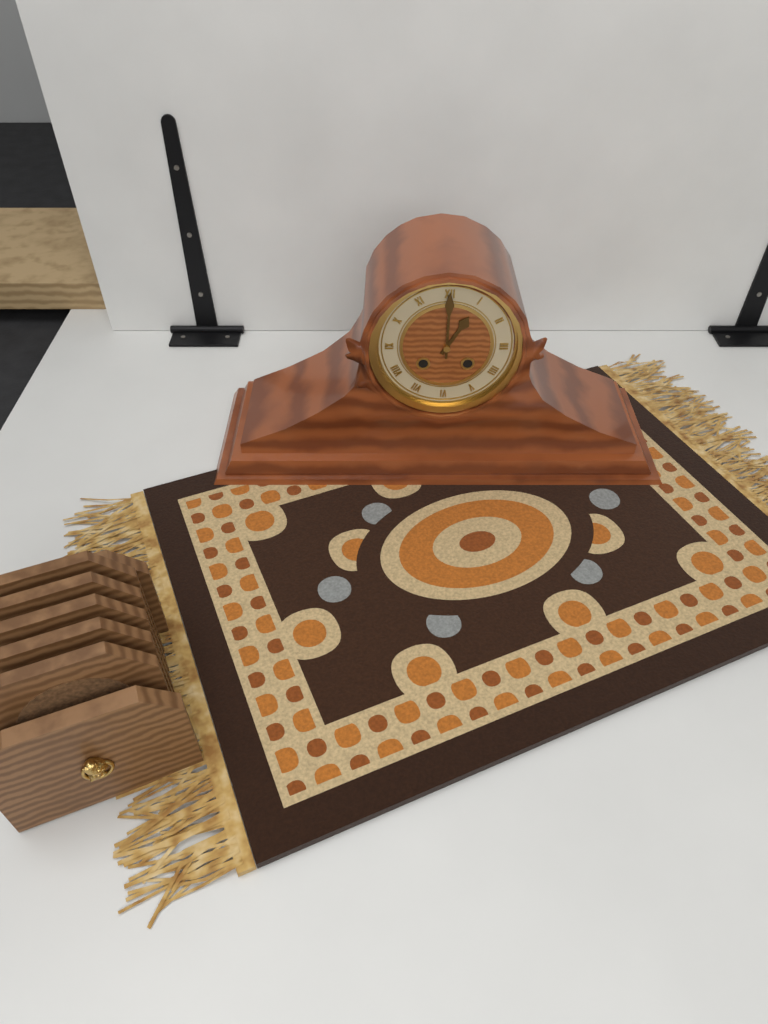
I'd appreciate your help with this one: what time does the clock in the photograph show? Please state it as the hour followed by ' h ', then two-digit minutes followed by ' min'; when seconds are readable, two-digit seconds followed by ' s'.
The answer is 1 h 00 min
